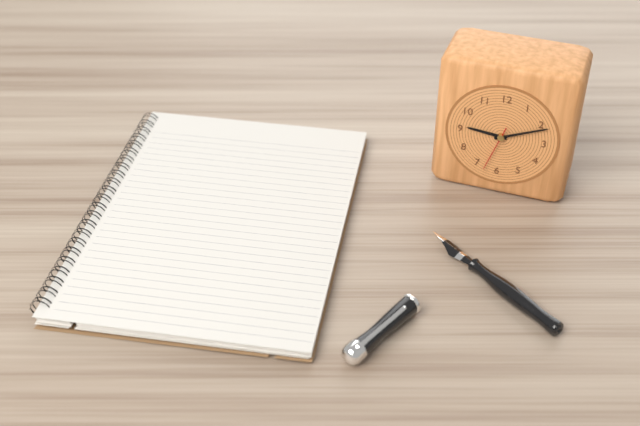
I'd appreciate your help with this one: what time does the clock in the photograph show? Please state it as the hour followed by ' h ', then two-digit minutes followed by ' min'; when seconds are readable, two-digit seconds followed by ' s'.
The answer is 9 h 11 min
